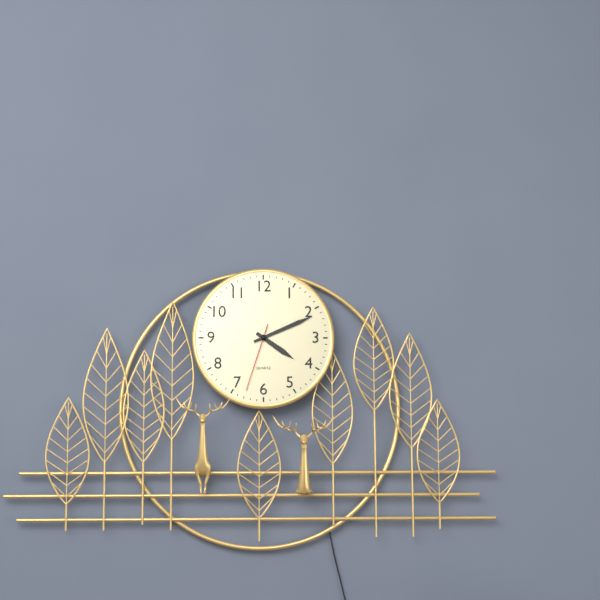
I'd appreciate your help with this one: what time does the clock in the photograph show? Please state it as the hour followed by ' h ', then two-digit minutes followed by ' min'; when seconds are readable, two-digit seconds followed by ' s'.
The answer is 4 h 11 min 33 s
